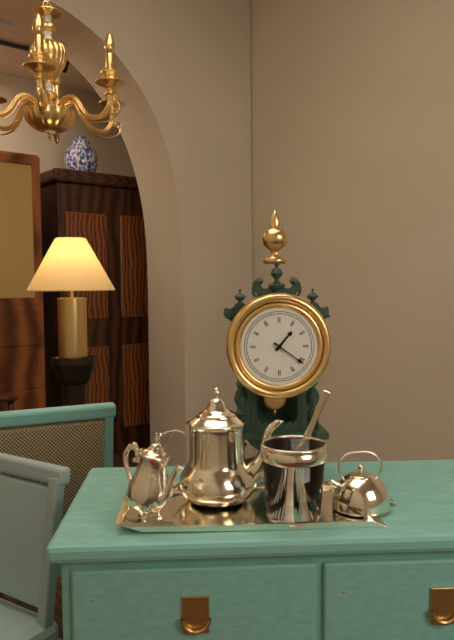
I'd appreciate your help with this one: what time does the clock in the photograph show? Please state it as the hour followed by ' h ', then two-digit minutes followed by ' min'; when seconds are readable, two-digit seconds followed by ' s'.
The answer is 1 h 21 min
